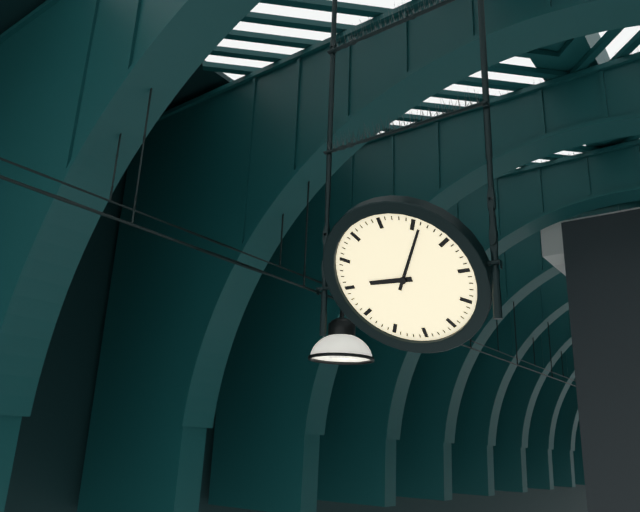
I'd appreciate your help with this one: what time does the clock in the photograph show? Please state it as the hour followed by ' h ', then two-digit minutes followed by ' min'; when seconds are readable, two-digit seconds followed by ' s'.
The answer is 9 h 06 min
